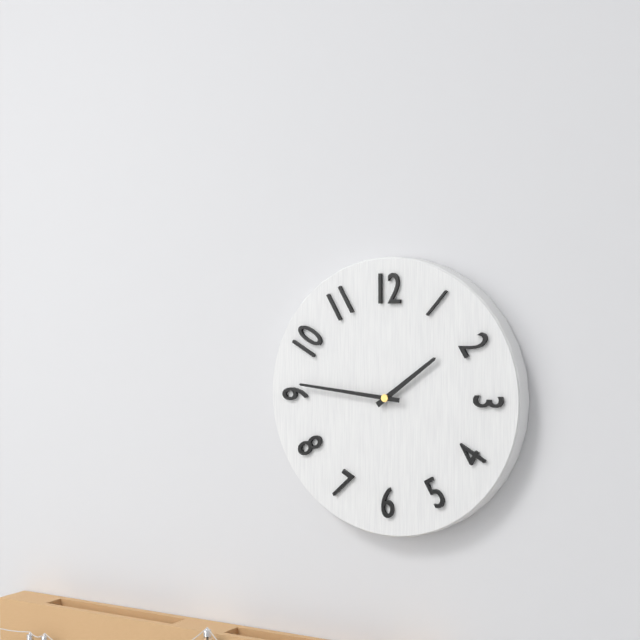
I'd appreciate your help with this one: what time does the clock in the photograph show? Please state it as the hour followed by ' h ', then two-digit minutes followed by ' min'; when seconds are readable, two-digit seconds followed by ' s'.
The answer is 1 h 46 min
